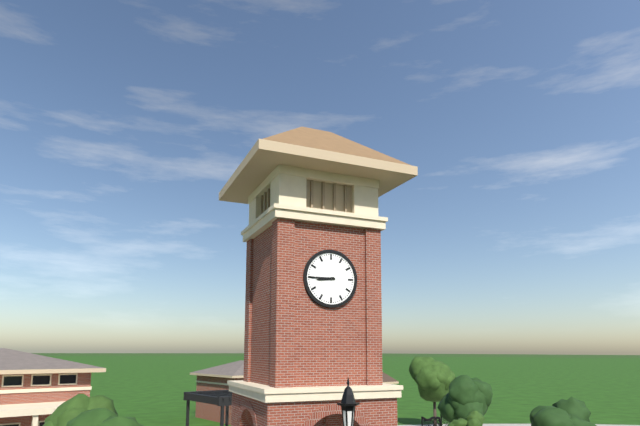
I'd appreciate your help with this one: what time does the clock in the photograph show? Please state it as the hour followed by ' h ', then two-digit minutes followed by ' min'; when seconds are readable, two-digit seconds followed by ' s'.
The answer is 8 h 45 min
